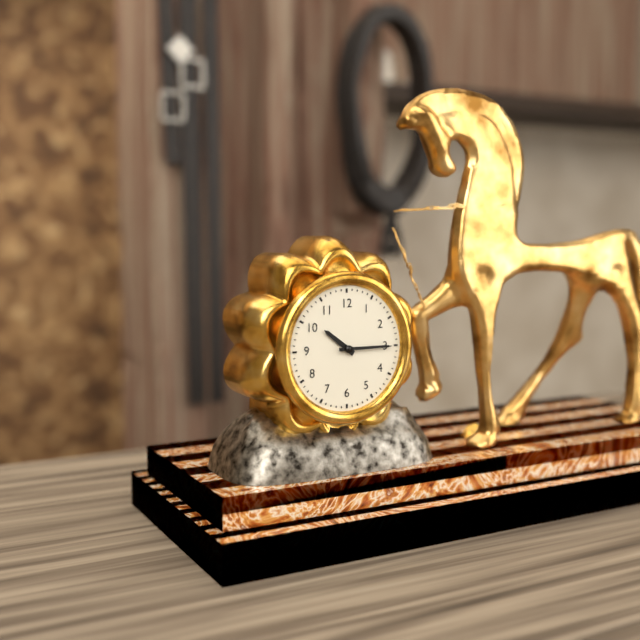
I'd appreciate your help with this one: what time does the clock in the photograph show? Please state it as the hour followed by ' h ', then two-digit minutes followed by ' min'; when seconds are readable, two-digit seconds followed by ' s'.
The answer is 10 h 15 min
